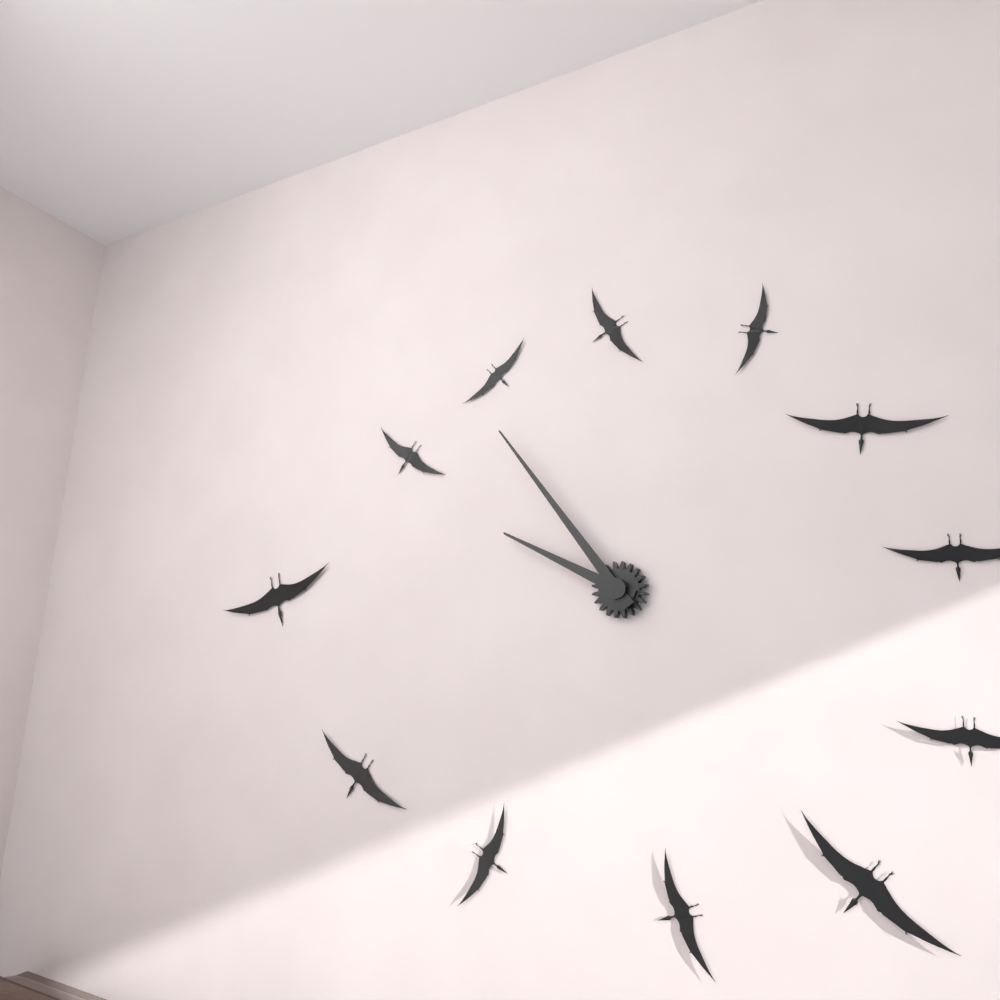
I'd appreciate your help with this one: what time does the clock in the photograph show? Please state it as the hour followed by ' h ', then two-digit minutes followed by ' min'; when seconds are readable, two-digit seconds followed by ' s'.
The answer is 9 h 54 min
